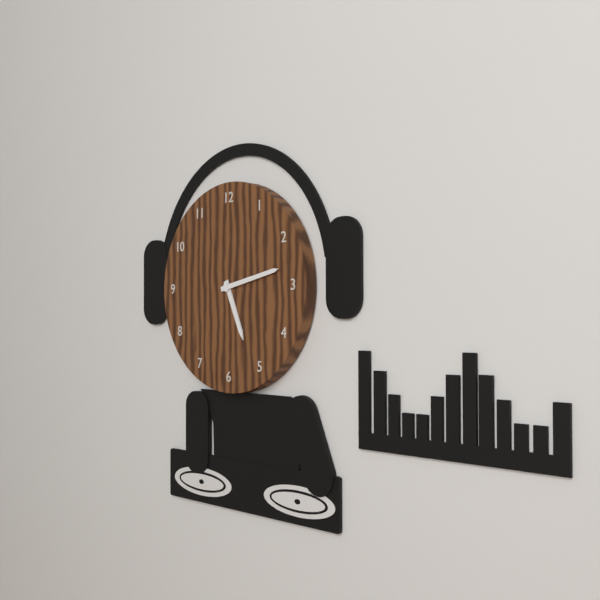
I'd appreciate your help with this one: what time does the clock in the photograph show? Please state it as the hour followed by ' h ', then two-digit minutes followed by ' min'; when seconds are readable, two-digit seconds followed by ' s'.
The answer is 5 h 13 min
